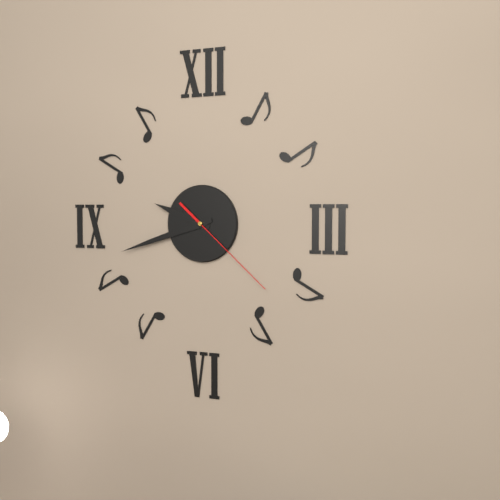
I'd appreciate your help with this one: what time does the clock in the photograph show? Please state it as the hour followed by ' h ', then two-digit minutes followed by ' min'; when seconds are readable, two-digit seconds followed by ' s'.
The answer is 9 h 42 min 22 s
